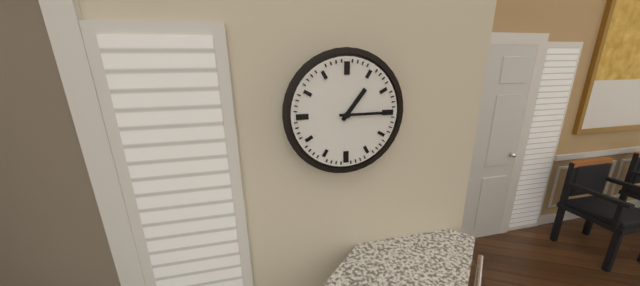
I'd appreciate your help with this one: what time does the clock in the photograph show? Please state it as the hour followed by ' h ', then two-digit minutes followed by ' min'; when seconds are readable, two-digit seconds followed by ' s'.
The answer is 1 h 15 min
